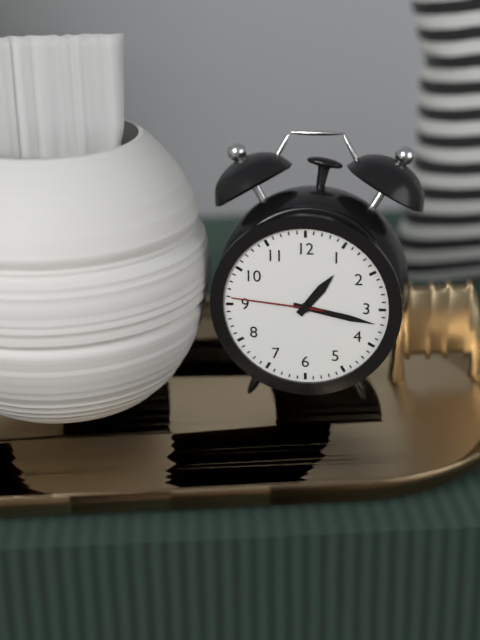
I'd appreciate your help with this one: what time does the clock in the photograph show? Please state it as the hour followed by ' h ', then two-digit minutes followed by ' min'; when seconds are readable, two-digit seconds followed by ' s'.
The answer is 1 h 17 min 46 s
